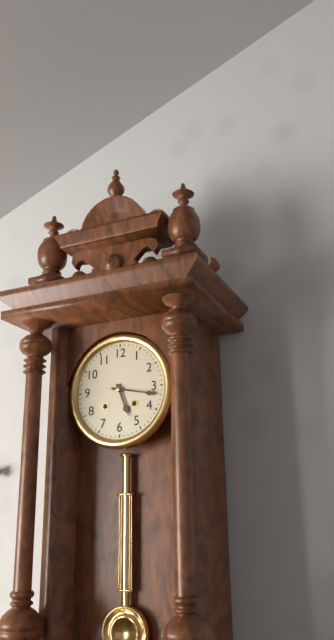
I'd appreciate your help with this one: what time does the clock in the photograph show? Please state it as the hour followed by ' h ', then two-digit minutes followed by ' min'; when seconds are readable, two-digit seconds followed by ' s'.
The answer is 5 h 17 min
